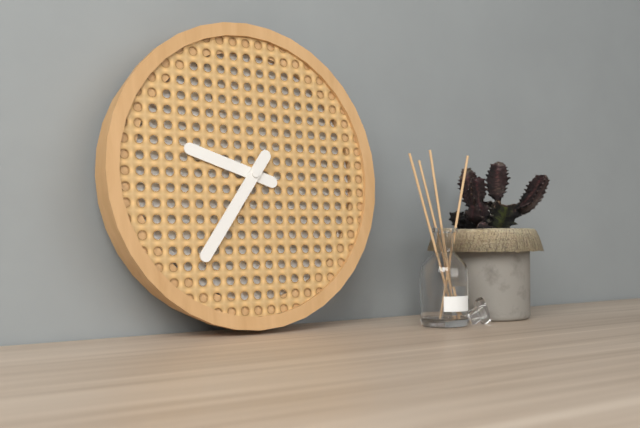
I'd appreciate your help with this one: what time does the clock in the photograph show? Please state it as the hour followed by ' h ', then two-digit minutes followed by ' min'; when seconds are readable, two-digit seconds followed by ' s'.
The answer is 9 h 36 min
